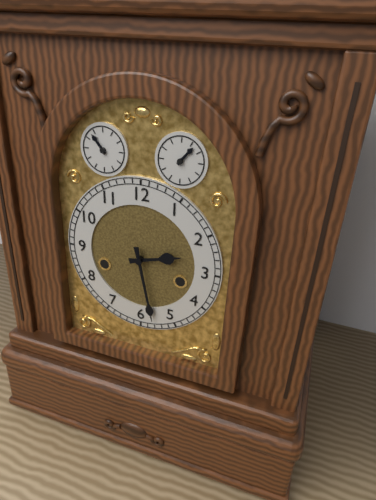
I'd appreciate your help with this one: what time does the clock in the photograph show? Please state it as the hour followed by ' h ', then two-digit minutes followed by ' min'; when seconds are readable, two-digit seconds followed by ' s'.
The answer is 2 h 28 min
